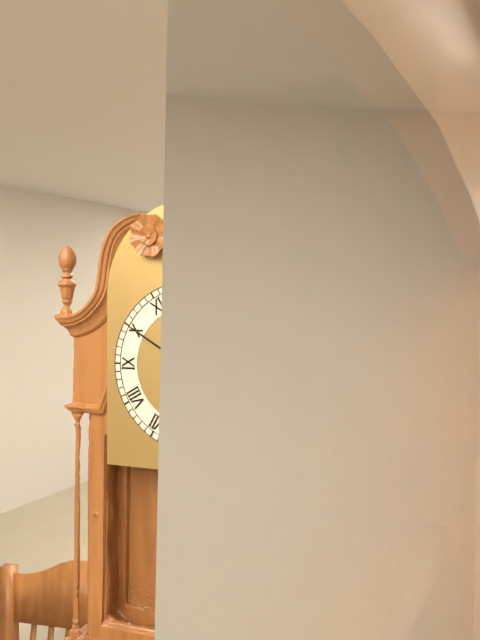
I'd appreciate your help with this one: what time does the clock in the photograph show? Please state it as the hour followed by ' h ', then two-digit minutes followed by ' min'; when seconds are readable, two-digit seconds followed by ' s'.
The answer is 12 h 50 min
